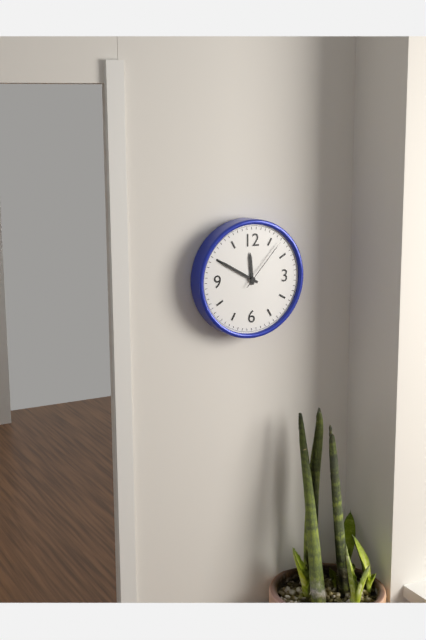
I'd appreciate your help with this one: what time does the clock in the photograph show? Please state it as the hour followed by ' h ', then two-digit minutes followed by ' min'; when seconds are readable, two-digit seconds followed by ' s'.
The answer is 11 h 50 min 07 s
